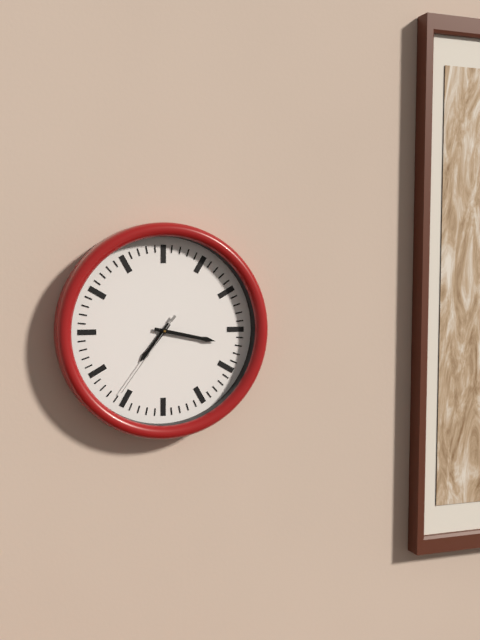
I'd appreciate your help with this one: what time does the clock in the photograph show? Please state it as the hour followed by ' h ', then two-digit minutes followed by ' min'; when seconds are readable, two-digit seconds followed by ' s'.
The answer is 7 h 17 min 36 s
